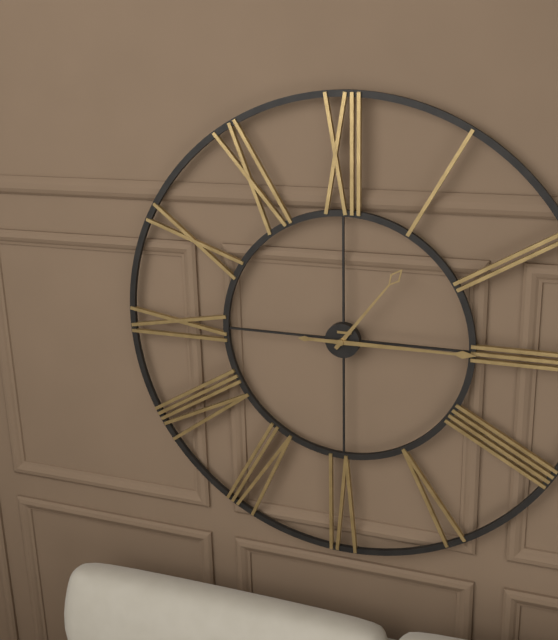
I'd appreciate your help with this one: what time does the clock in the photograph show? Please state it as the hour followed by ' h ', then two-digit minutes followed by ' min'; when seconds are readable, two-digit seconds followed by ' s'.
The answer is 1 h 15 min
